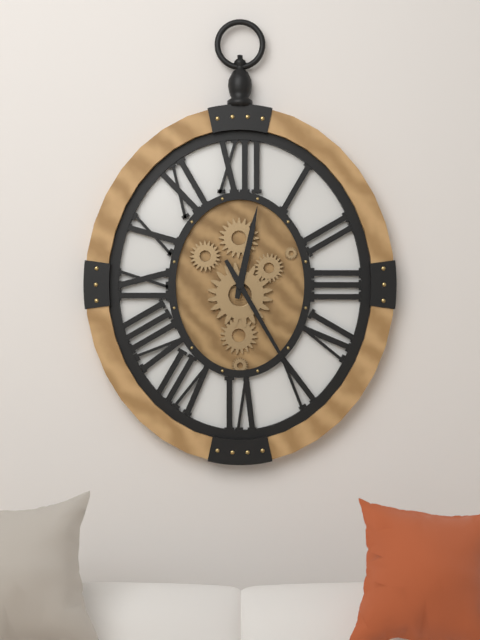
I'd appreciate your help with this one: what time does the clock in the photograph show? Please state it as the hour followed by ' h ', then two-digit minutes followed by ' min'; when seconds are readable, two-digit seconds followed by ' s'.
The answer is 12 h 25 min
